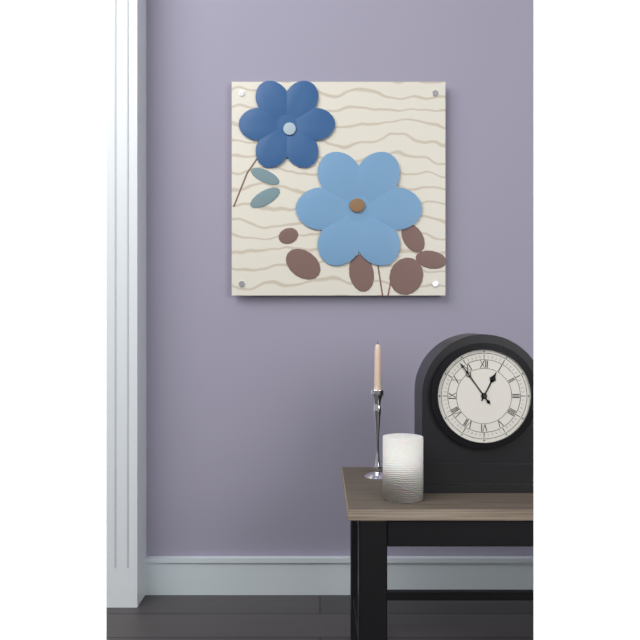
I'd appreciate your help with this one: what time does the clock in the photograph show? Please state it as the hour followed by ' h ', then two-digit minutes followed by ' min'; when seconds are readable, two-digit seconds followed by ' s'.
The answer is 12 h 54 min
